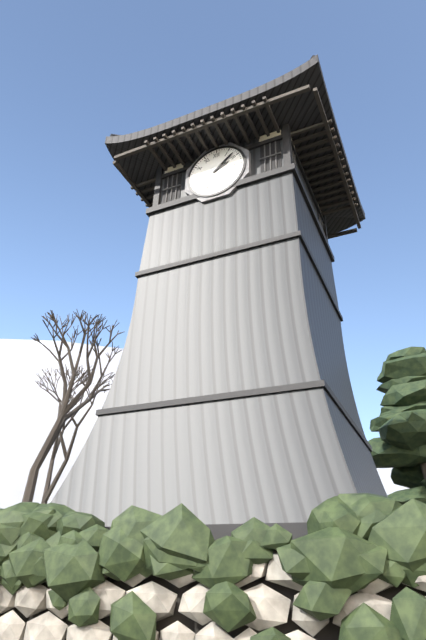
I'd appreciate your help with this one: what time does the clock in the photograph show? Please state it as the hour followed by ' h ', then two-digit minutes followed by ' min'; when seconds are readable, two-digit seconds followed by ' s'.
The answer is 2 h 08 min
